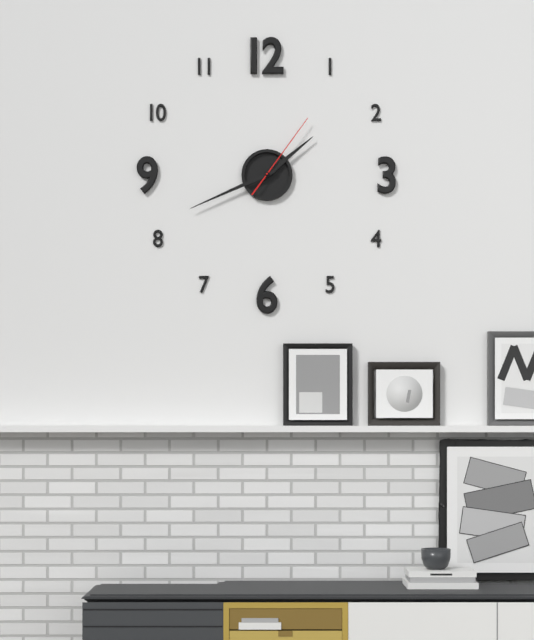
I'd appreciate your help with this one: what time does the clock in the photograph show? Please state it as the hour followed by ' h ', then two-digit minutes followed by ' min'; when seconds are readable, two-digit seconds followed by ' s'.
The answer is 1 h 41 min 06 s
